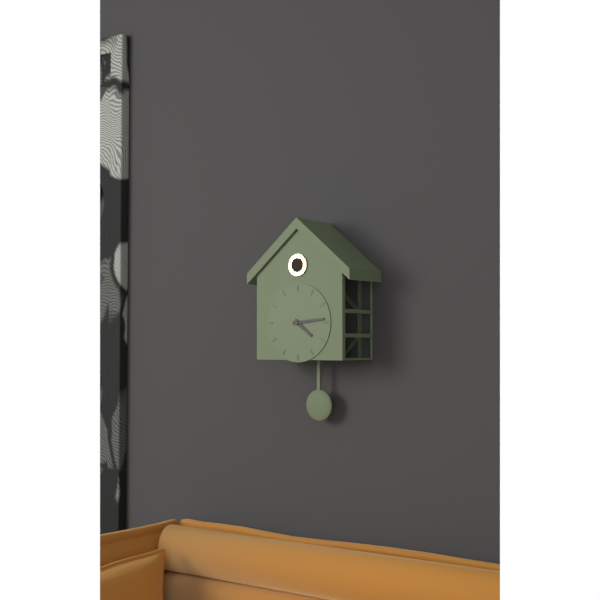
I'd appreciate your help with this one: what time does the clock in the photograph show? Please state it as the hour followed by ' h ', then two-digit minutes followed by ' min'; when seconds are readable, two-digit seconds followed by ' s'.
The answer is 4 h 14 min
